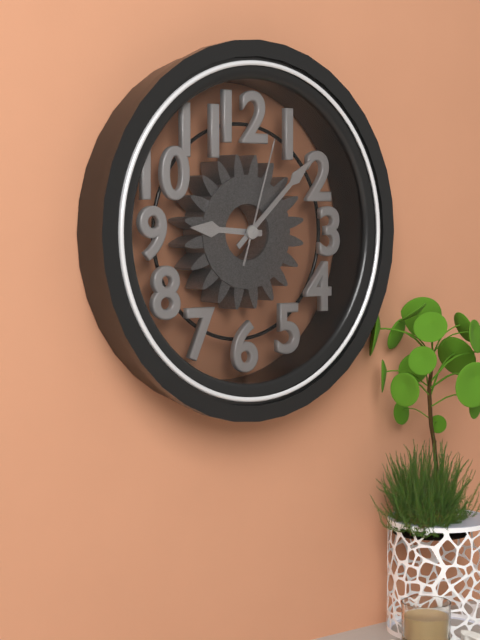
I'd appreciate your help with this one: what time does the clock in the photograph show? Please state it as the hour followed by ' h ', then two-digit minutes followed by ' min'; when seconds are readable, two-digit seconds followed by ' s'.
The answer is 9 h 08 min 03 s
